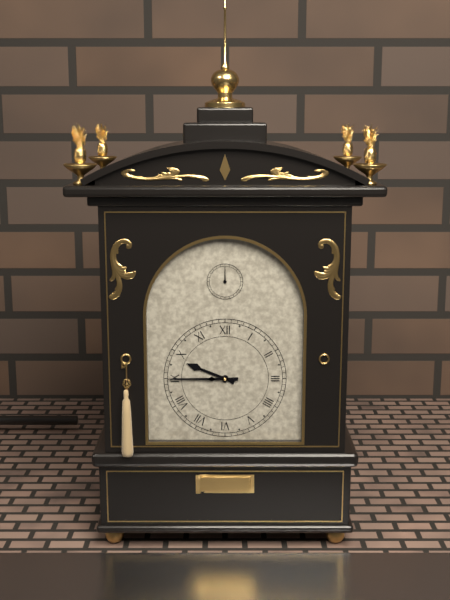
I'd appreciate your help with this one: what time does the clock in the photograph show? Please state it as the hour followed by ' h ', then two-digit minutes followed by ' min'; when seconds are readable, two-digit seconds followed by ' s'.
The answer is 9 h 45 min
